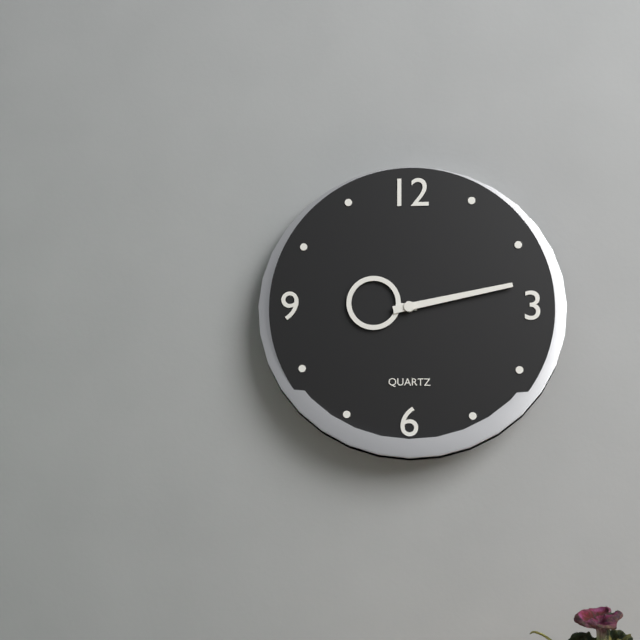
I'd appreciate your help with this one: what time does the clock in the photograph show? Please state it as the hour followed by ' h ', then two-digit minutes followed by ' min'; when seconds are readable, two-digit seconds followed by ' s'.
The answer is 9 h 13 min
